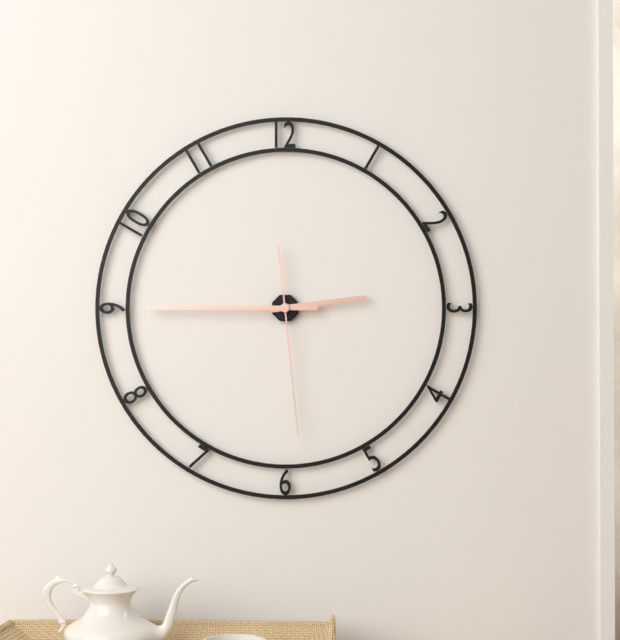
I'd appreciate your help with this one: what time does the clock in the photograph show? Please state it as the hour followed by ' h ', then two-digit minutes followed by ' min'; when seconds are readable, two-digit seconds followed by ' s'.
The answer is 2 h 45 min 29 s
